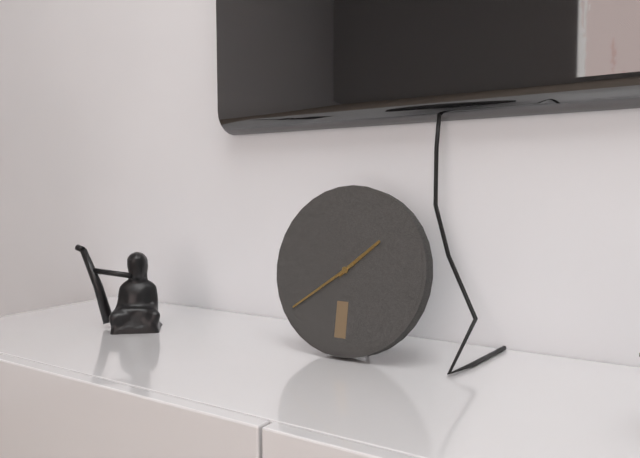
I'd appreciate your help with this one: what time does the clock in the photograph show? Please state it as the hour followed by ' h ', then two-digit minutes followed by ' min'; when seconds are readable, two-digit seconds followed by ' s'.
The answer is 1 h 39 min
